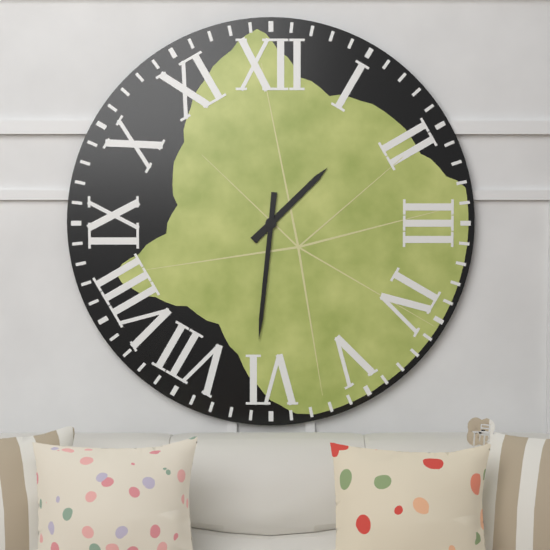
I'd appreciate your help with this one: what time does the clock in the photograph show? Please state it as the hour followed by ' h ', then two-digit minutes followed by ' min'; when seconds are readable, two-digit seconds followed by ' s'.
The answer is 1 h 31 min
